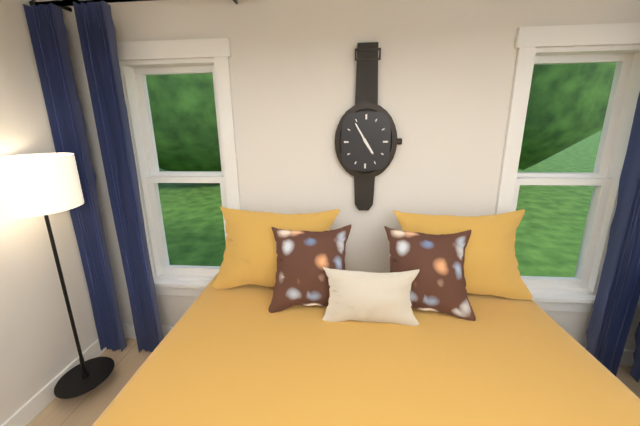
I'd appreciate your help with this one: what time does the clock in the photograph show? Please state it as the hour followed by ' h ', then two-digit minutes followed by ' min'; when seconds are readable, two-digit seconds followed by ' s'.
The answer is 4 h 55 min
